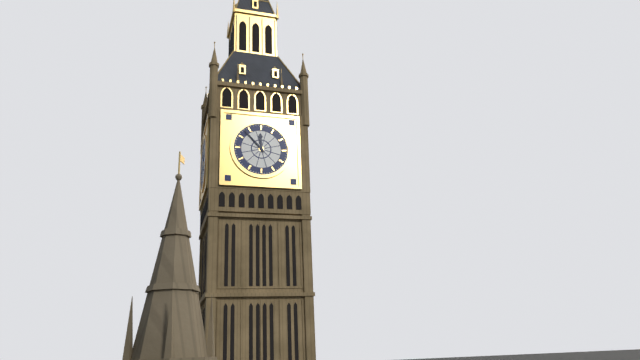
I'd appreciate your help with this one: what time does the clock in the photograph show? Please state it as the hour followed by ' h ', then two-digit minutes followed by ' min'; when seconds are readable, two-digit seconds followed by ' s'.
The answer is 11 h 53 min
